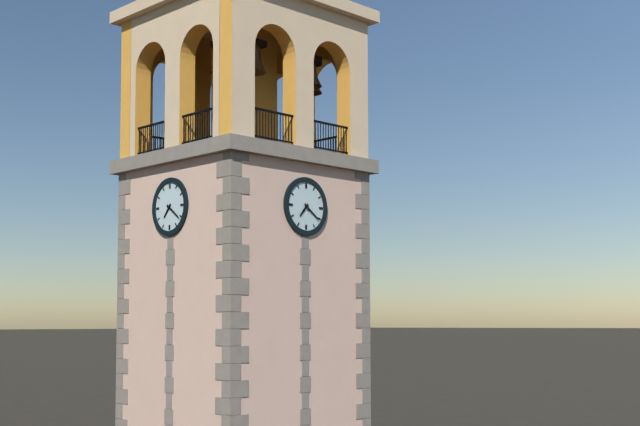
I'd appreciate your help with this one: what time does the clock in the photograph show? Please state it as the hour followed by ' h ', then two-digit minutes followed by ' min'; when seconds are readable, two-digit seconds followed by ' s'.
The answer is 7 h 21 min
